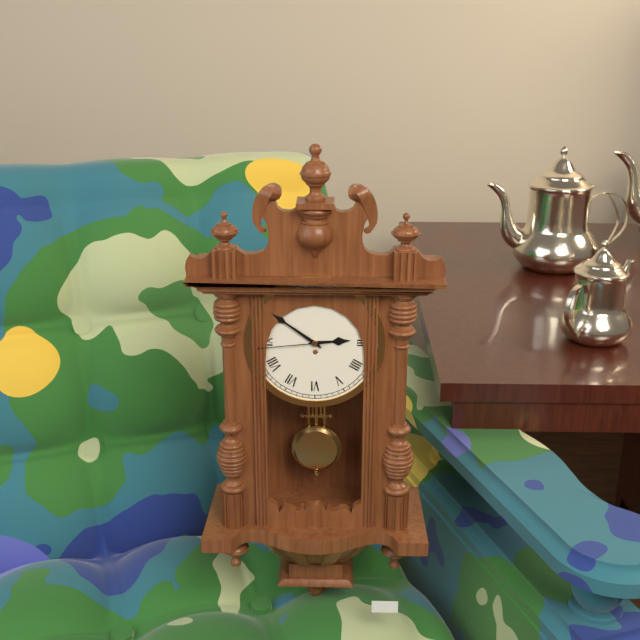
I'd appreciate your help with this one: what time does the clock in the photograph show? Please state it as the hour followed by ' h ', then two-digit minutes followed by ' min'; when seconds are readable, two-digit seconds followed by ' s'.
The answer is 2 h 51 min 44 s
